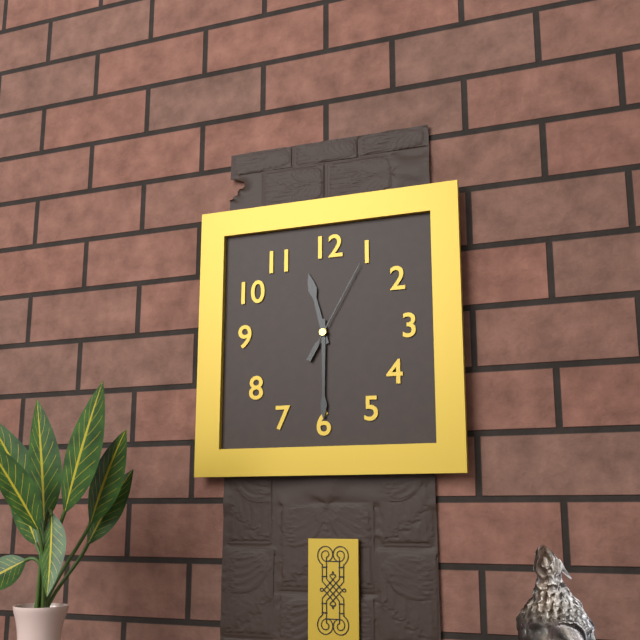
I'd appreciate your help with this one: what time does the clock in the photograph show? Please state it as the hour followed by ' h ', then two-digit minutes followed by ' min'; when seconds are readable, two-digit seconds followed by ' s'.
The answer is 11 h 30 min 05 s
